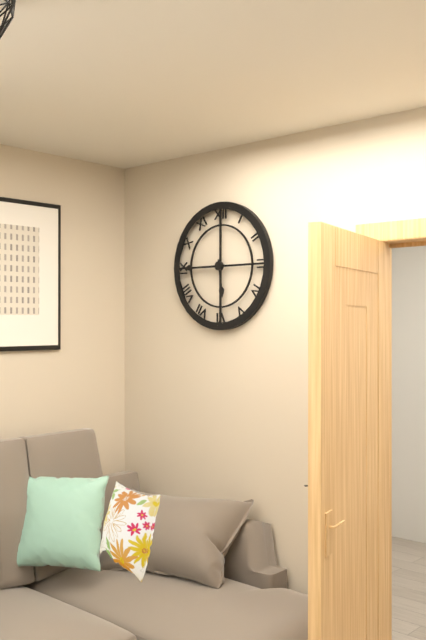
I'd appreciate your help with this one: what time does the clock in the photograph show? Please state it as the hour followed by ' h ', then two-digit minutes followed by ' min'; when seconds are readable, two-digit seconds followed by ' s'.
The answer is 5 h 45 min
